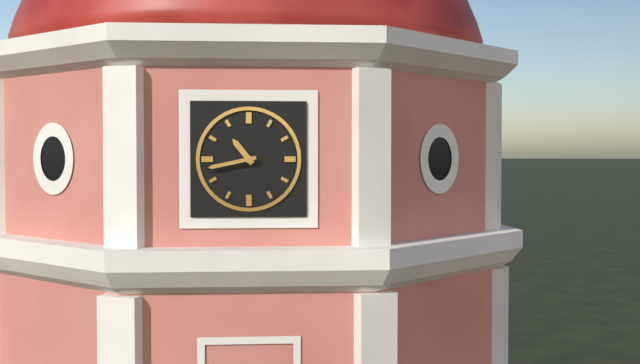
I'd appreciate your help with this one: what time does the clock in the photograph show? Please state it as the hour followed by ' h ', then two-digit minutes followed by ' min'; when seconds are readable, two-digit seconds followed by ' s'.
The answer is 10 h 43 min
